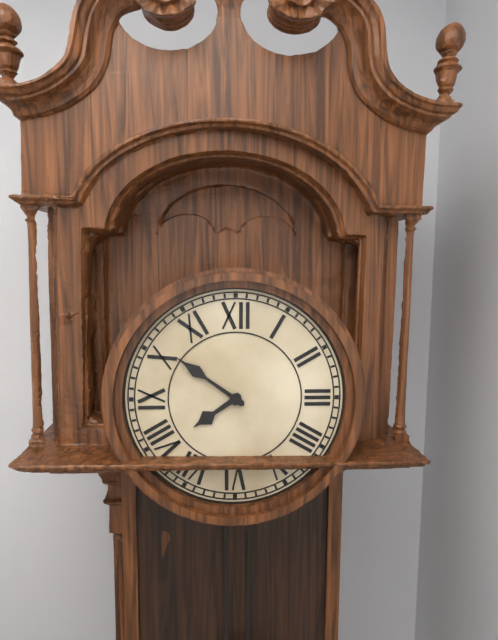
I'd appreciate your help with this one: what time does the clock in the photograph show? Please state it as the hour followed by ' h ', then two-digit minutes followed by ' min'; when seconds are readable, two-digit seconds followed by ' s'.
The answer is 7 h 51 min
